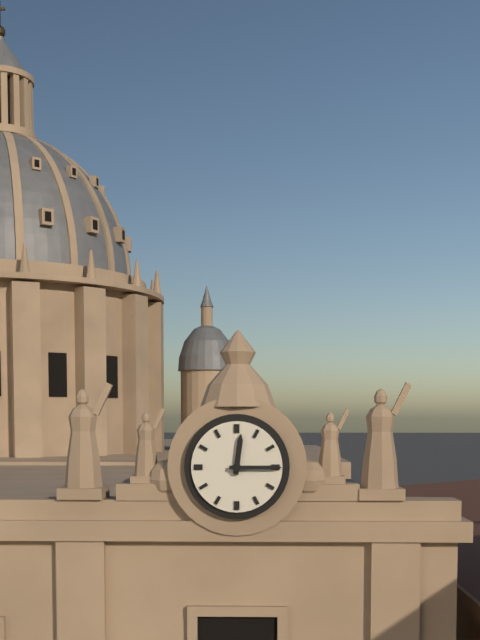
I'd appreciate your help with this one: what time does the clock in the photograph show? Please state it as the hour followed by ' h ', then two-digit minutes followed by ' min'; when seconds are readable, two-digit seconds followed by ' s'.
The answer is 12 h 15 min
